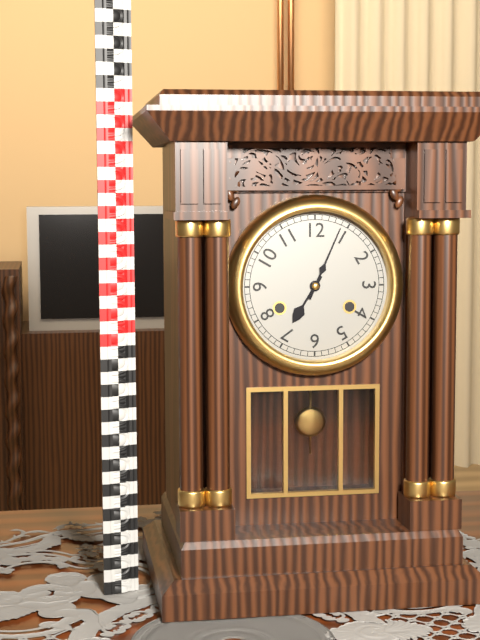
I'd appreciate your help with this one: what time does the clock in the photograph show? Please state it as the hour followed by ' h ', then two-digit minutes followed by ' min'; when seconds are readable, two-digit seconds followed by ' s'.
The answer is 7 h 04 min
